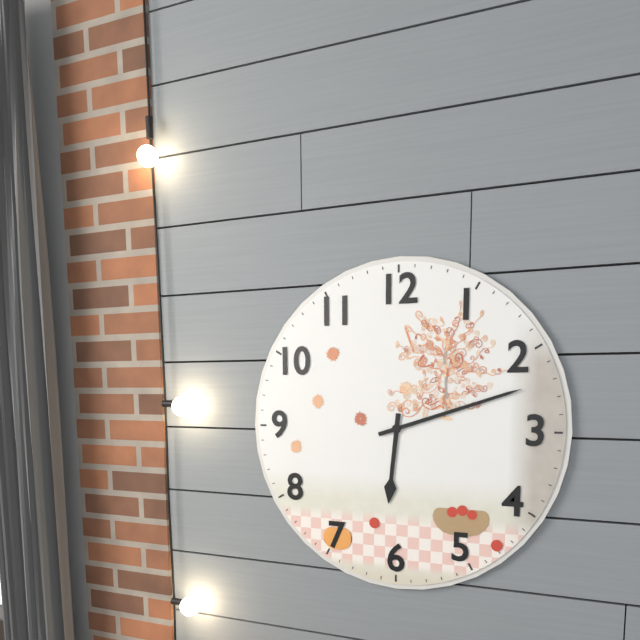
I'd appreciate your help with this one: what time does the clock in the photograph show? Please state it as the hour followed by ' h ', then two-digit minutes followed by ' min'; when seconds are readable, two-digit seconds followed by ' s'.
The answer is 6 h 12 min
